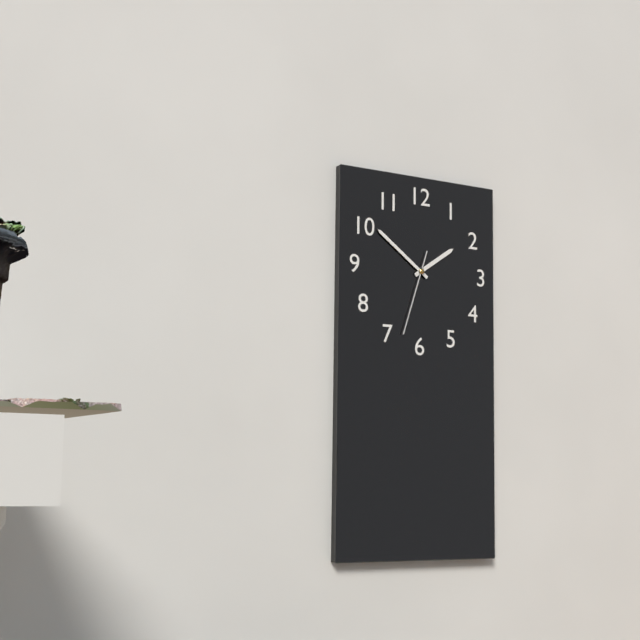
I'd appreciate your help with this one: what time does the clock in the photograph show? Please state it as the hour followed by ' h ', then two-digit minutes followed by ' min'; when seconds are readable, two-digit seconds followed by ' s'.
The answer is 1 h 51 min 33 s
